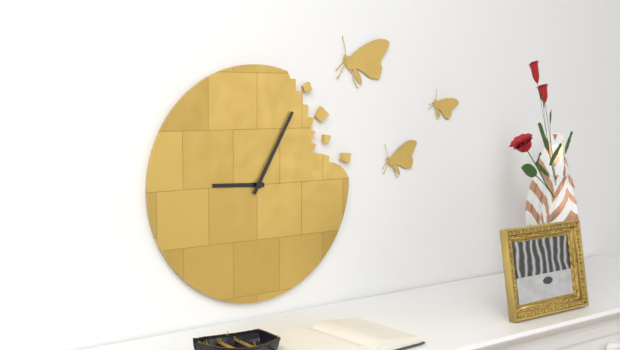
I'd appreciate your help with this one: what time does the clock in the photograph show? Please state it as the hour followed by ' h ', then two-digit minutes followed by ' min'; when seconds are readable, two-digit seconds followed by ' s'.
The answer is 9 h 05 min
